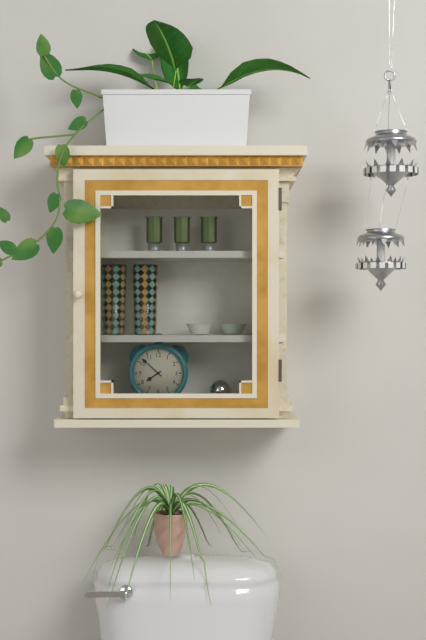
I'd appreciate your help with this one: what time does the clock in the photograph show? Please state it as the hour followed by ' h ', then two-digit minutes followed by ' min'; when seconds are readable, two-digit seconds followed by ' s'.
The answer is 7 h 52 min
